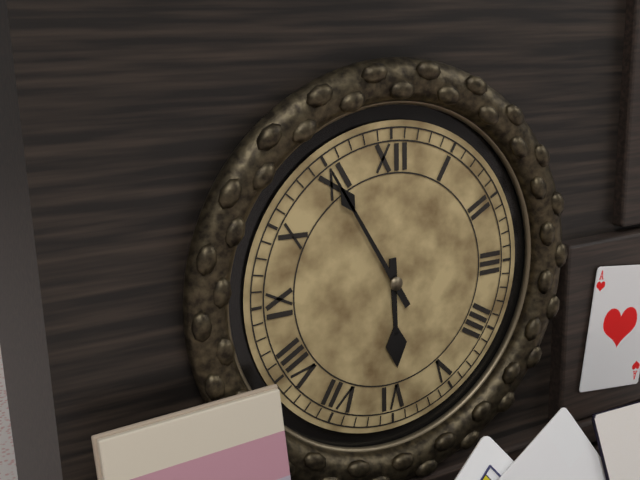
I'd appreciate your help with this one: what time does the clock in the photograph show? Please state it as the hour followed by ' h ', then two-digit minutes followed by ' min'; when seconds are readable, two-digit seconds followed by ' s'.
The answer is 5 h 55 min
